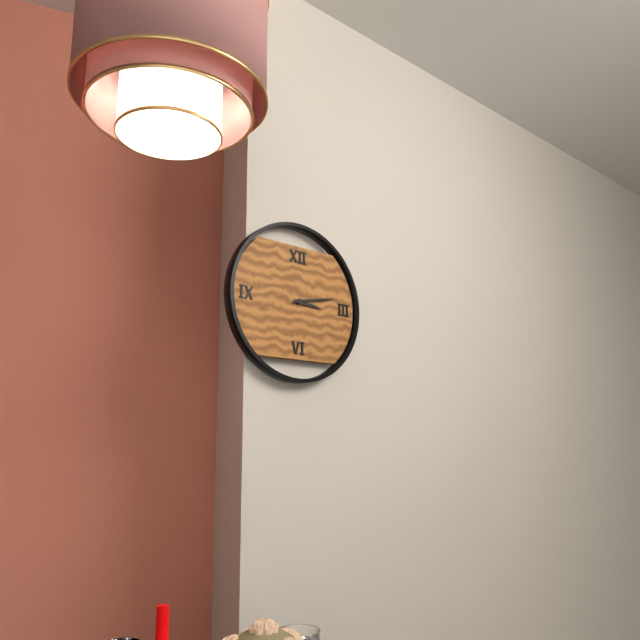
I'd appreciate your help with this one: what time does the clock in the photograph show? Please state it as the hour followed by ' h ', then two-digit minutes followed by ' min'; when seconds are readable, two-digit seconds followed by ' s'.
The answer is 3 h 13 min
